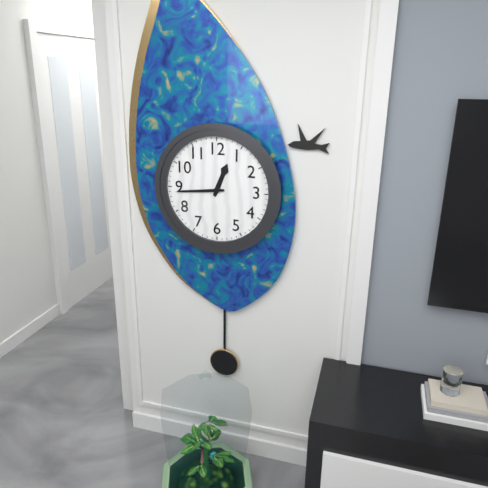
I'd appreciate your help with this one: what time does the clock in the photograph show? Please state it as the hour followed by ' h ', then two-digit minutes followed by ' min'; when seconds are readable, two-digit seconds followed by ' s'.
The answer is 12 h 44 min
